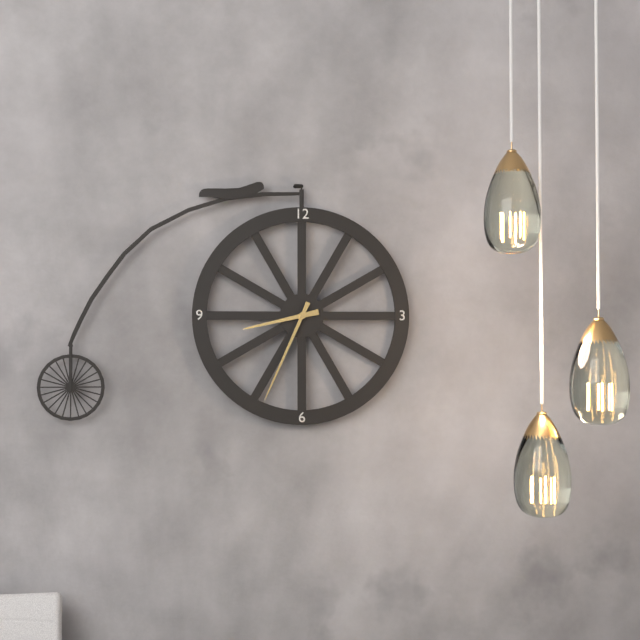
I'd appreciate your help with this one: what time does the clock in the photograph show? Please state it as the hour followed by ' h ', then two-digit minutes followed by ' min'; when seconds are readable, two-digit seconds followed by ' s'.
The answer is 8 h 34 min
